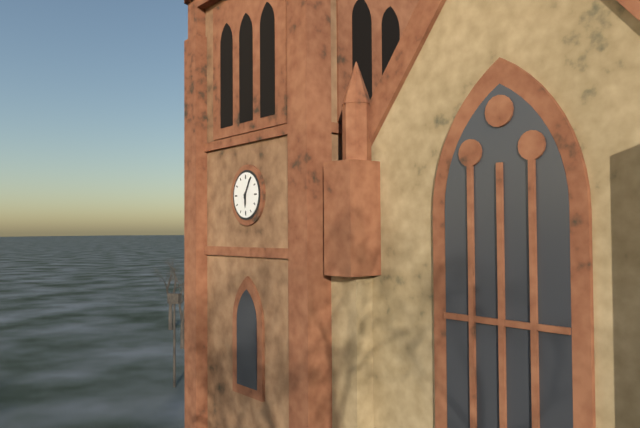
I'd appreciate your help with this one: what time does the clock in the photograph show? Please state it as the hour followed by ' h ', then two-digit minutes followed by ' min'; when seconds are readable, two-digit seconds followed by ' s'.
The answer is 6 h 05 min
